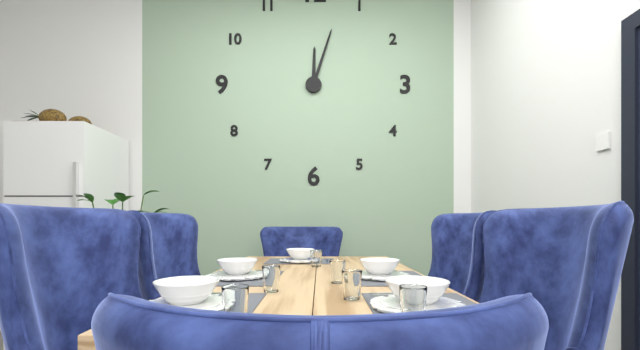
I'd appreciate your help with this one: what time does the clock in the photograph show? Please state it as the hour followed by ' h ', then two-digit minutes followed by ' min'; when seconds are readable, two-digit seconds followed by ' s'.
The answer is 12 h 03 min
